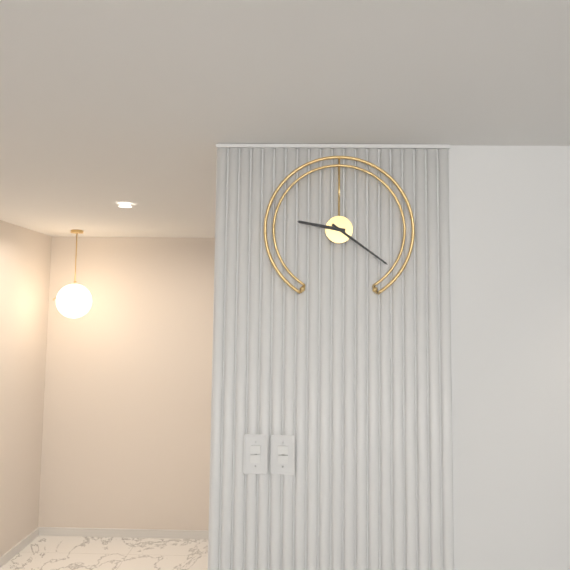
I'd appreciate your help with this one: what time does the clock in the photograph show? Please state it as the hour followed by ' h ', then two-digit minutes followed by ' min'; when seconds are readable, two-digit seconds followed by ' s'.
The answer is 9 h 21 min
